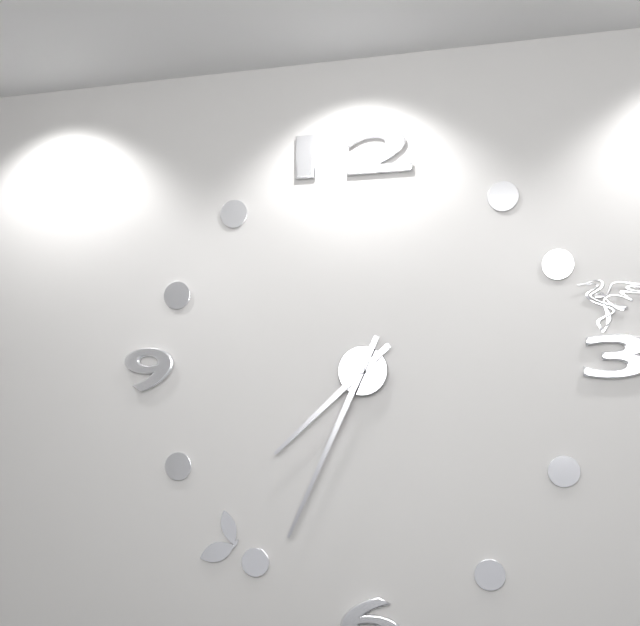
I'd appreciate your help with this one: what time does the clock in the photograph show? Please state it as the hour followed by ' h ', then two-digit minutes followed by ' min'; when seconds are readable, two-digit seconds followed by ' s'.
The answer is 7 h 34 min
